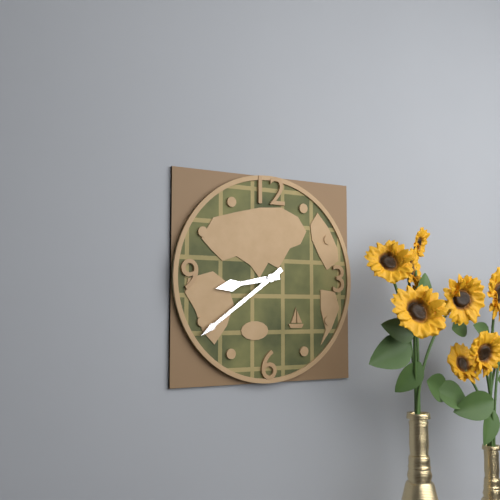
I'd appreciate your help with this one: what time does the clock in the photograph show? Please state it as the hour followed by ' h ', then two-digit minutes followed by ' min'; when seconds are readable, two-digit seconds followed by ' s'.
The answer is 8 h 39 min
